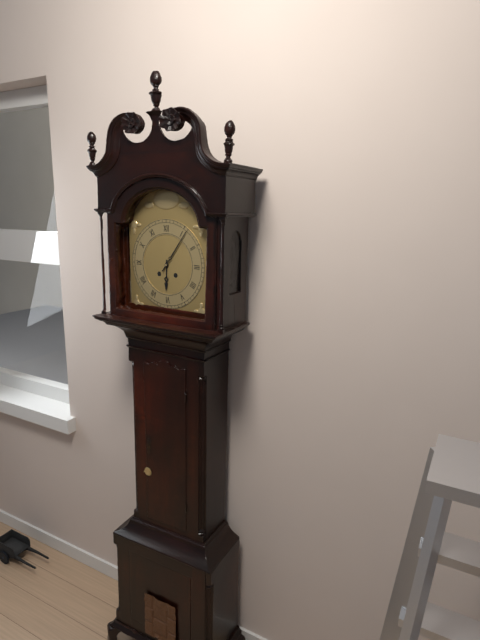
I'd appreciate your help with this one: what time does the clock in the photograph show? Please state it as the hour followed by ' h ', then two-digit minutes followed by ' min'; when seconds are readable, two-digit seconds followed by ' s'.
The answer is 6 h 06 min
